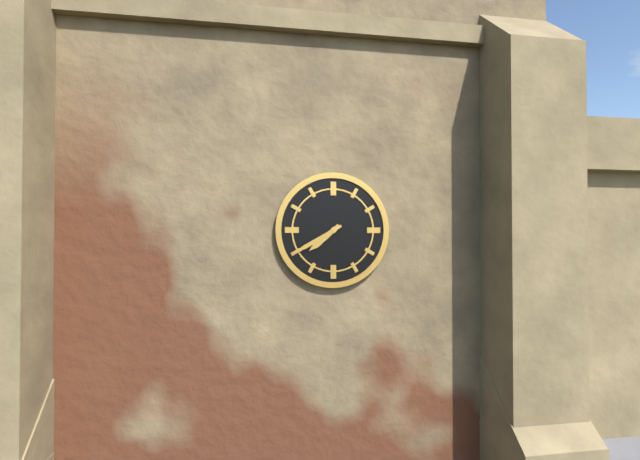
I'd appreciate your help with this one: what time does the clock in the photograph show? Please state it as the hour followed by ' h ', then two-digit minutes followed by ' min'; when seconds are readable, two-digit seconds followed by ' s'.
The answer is 7 h 40 min
